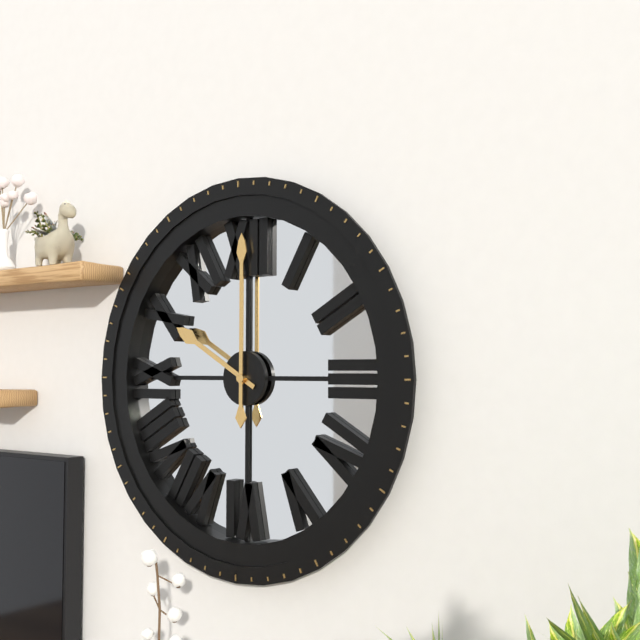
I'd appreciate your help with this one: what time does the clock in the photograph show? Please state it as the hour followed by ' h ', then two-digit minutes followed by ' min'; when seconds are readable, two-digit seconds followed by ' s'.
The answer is 10 h 00 min
